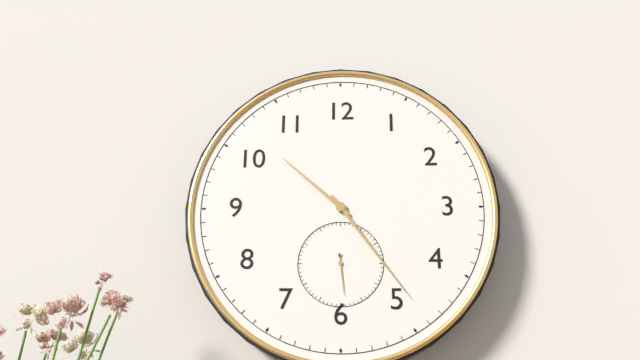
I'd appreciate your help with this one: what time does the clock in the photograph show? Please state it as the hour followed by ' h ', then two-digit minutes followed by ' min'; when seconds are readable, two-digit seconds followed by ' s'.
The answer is 10 h 24 min
